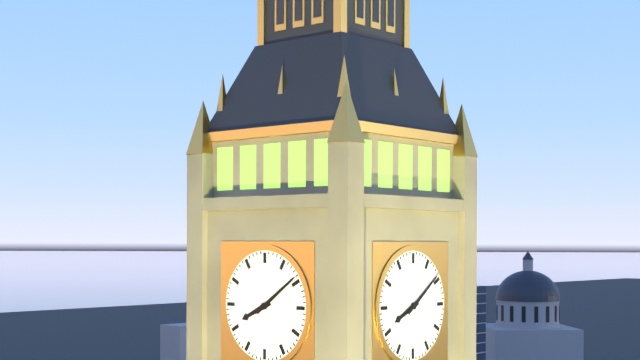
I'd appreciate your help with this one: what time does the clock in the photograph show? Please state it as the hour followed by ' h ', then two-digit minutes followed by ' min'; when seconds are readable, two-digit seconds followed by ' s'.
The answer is 8 h 09 min
